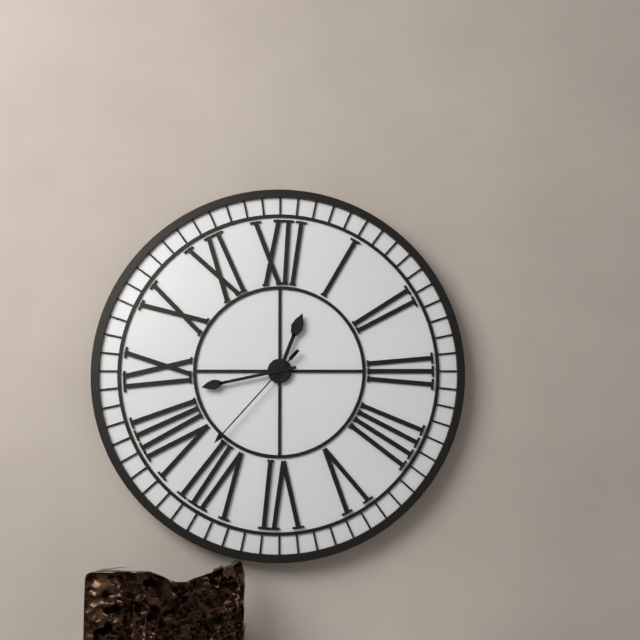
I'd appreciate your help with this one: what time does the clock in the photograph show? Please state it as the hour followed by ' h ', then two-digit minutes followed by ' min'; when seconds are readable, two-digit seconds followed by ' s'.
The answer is 12 h 43 min 37 s
